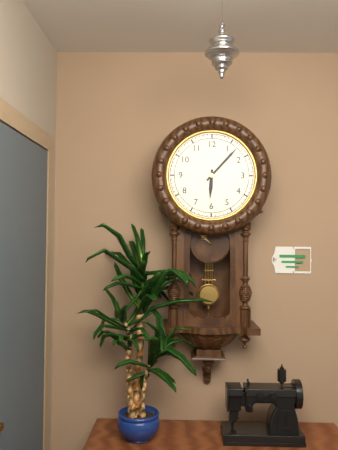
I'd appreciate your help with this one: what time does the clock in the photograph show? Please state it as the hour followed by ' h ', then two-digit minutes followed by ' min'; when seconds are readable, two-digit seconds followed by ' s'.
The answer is 6 h 07 min
